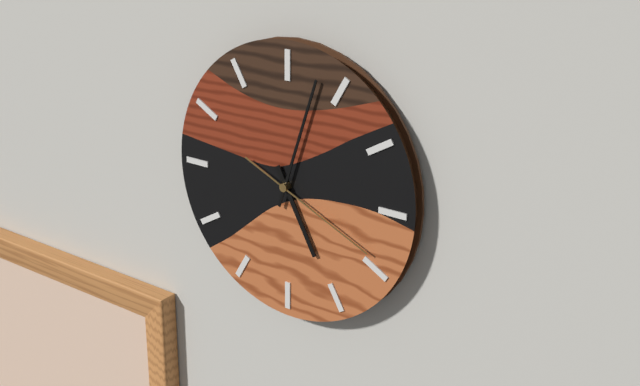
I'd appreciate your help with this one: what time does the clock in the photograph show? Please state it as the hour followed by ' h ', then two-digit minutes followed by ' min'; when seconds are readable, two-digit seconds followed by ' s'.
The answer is 5 h 03 min 19 s
